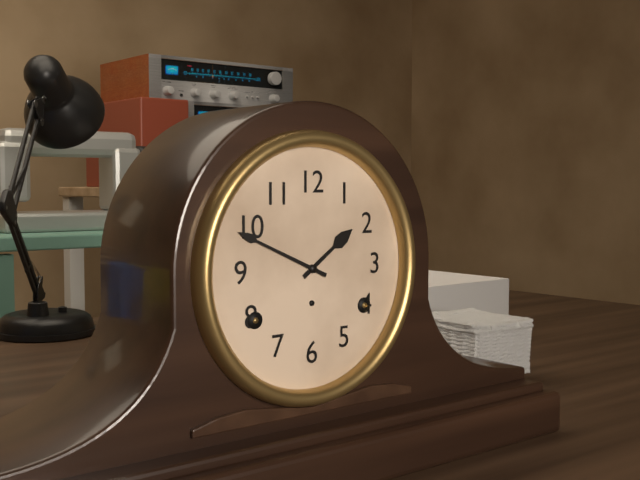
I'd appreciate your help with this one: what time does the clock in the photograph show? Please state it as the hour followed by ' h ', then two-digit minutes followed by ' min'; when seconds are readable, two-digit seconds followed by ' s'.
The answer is 1 h 49 min
